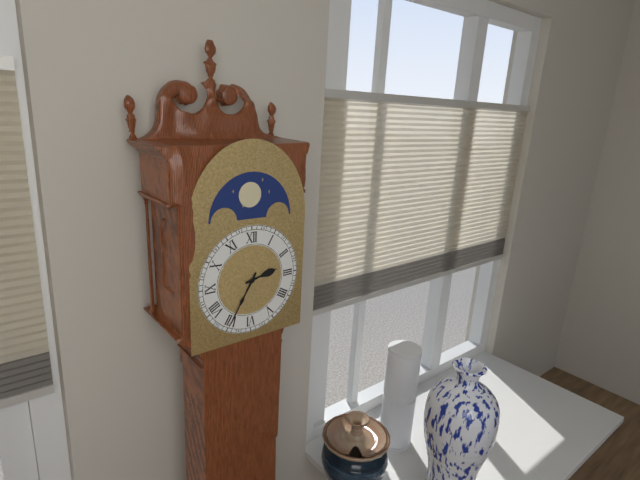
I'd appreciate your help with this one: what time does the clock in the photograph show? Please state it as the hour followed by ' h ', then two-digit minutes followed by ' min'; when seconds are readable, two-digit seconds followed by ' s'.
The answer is 2 h 35 min
